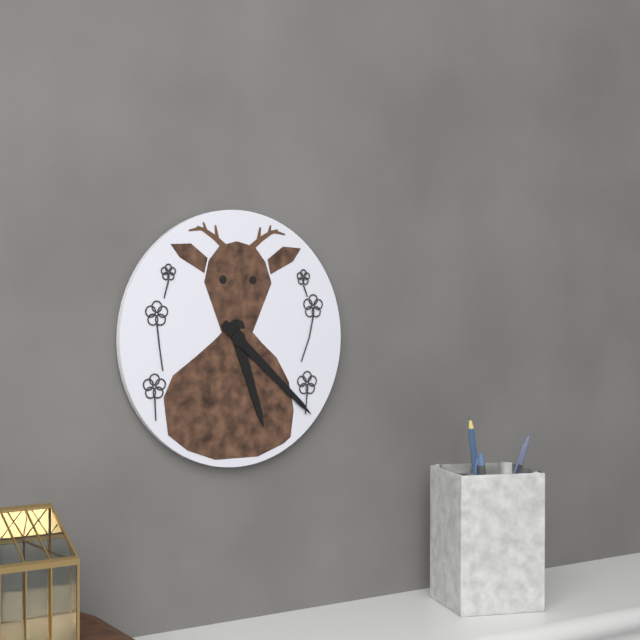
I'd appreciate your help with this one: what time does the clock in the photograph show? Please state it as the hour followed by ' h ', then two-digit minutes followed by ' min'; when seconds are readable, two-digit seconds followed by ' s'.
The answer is 5 h 22 min
